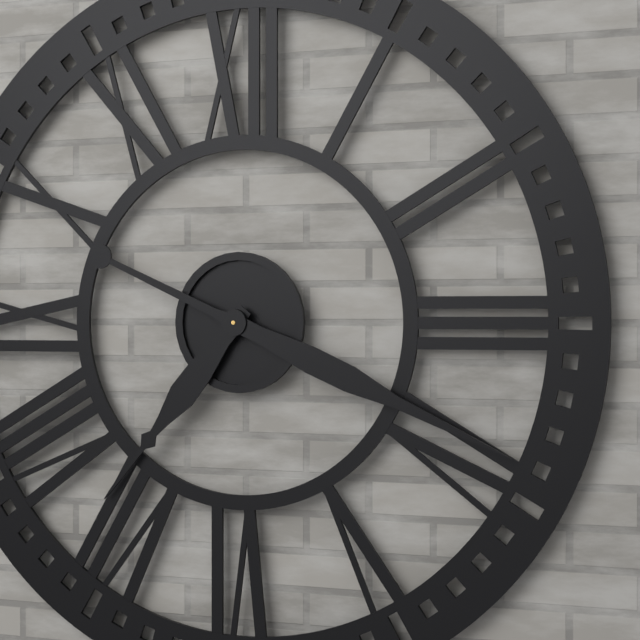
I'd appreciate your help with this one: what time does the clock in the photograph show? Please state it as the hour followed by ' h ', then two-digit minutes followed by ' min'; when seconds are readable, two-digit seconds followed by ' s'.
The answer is 7 h 19 min
